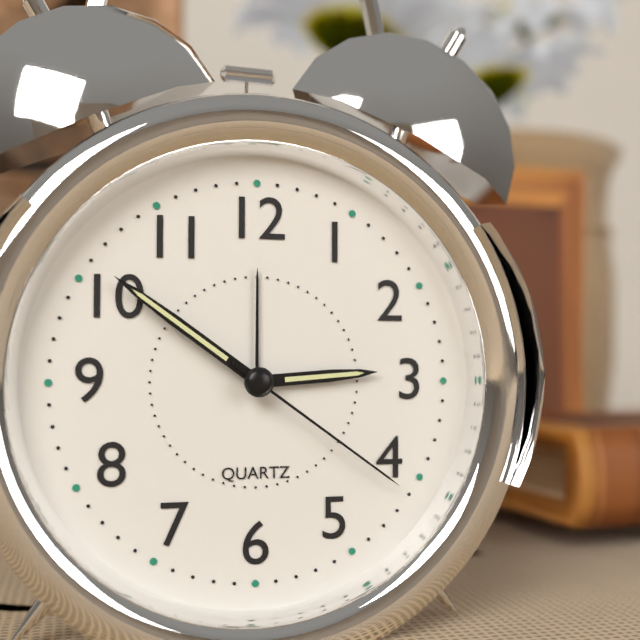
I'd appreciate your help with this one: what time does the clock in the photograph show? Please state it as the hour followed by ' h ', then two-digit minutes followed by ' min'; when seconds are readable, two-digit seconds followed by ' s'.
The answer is 2 h 51 min 21 s
